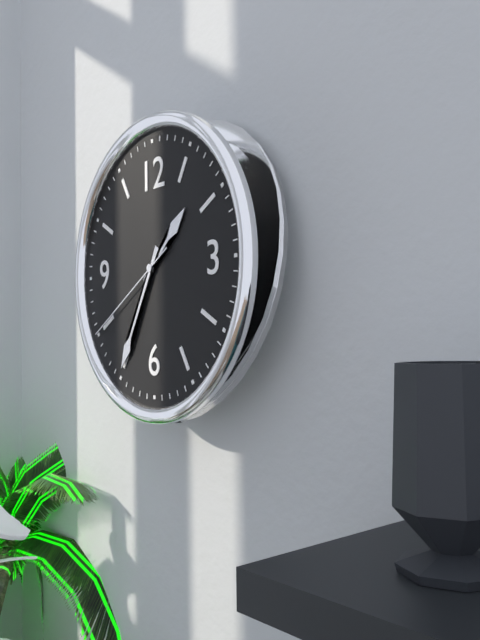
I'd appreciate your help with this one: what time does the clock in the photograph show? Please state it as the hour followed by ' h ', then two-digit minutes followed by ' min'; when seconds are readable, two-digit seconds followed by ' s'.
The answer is 1 h 35 min 40 s
